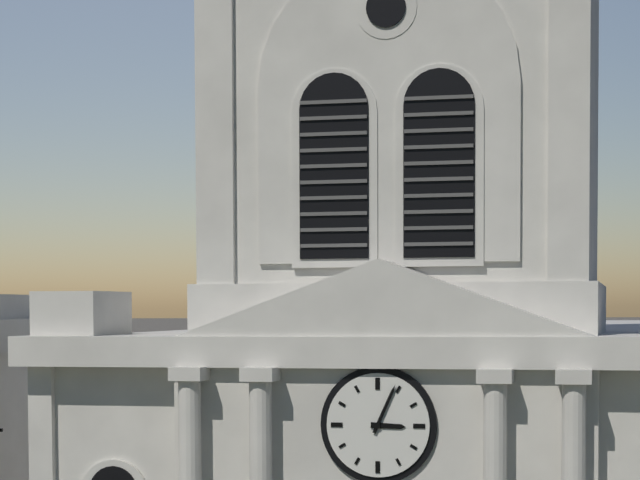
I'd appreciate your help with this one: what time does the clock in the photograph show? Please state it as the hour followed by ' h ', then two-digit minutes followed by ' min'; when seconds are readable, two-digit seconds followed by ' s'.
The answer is 3 h 04 min
